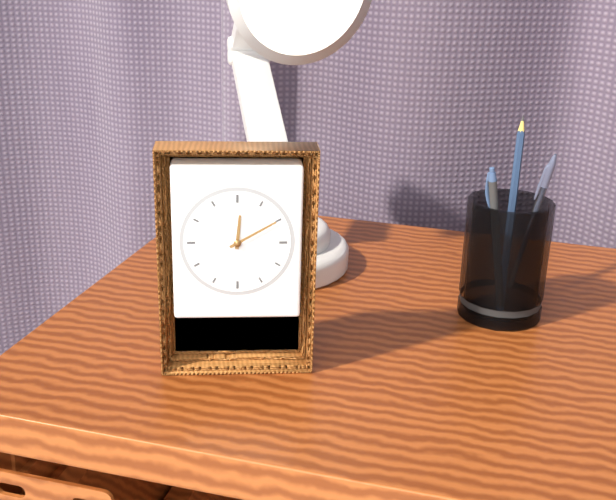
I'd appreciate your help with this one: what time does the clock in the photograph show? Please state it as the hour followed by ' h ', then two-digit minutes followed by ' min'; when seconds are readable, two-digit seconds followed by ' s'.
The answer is 12 h 10 min
